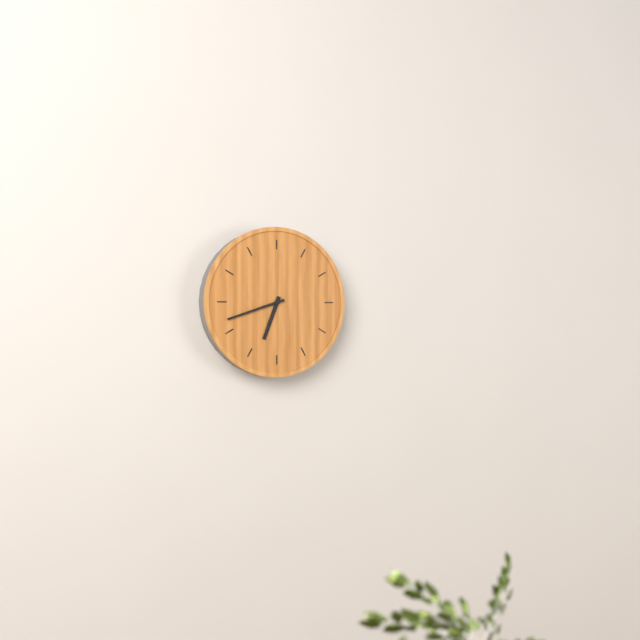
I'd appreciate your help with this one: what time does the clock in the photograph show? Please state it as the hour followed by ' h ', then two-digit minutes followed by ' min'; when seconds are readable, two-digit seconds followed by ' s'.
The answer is 6 h 42 min
